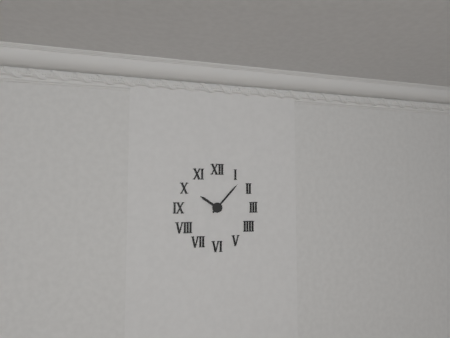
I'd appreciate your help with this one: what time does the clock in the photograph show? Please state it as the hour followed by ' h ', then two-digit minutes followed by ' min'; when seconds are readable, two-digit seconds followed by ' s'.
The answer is 10 h 07 min
